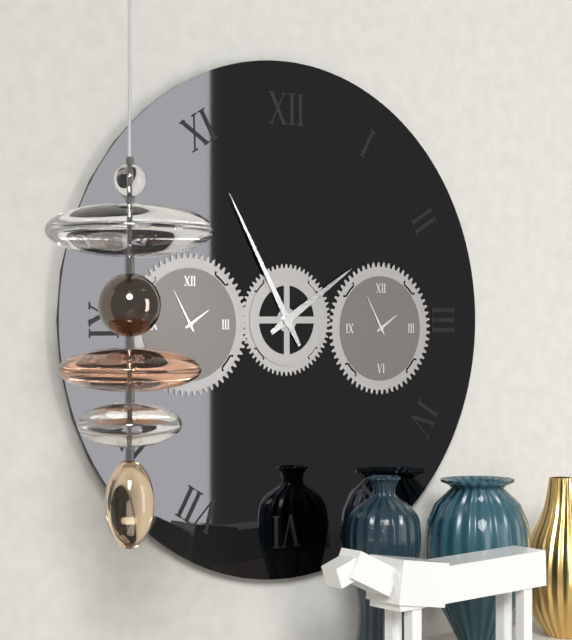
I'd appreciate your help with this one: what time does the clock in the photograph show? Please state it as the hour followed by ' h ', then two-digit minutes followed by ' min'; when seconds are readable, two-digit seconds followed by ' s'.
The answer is 1 h 55 min
